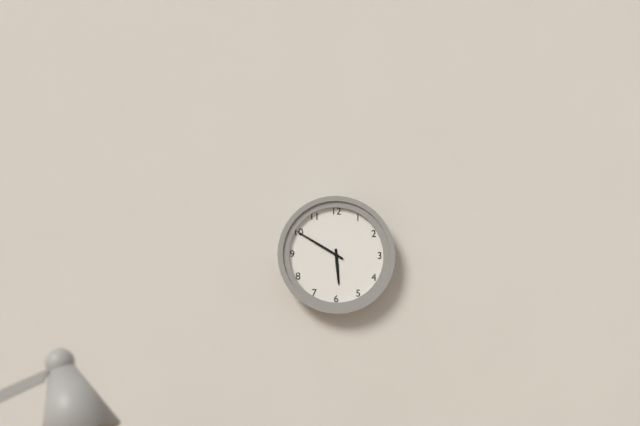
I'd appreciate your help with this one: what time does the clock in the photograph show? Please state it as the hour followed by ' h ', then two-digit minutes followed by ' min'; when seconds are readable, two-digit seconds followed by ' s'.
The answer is 5 h 50 min
